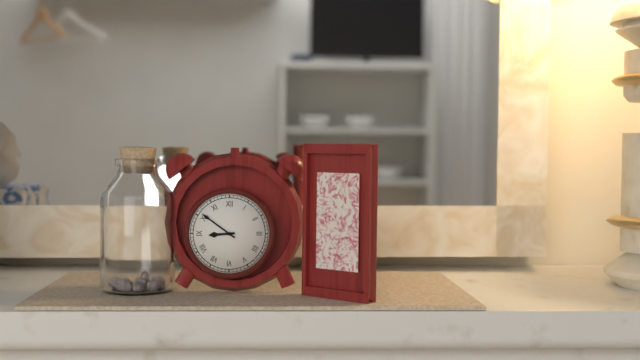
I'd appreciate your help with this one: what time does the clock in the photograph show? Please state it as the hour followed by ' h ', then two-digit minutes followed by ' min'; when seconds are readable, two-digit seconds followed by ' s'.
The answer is 8 h 51 min
